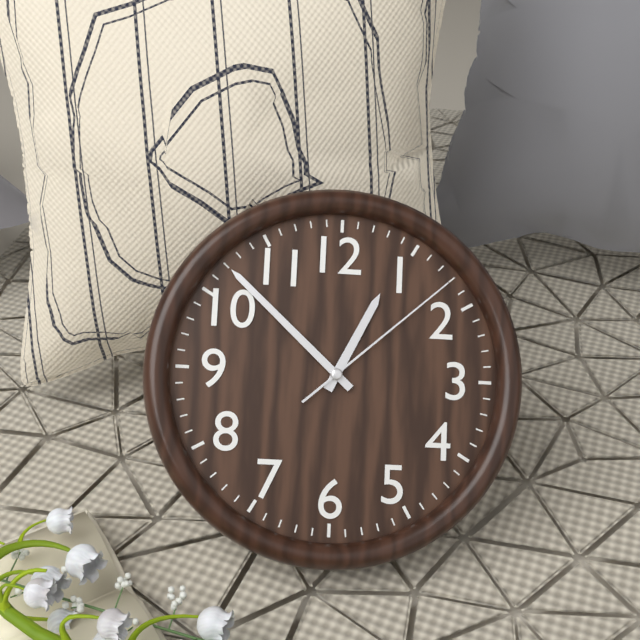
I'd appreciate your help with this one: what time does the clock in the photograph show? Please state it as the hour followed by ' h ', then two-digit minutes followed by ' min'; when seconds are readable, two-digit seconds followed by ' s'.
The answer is 12 h 52 min 08 s
